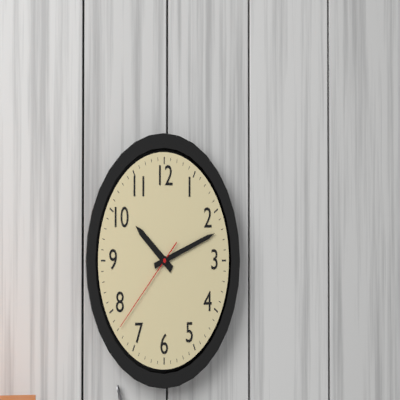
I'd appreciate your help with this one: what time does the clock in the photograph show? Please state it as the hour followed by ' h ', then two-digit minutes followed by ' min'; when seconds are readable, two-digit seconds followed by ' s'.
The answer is 10 h 12 min 38 s
